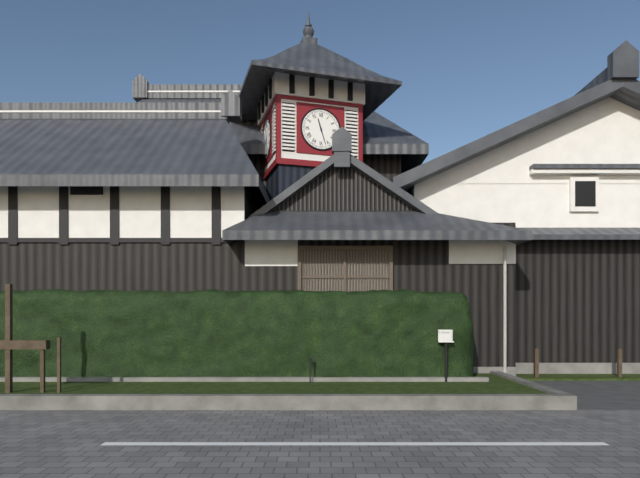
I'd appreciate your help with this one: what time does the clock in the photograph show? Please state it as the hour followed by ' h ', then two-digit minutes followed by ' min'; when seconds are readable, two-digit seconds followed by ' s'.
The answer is 11 h 27 min
